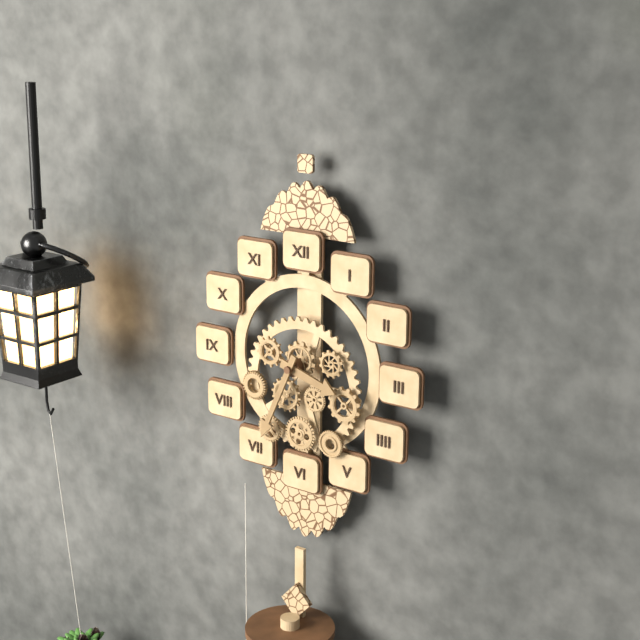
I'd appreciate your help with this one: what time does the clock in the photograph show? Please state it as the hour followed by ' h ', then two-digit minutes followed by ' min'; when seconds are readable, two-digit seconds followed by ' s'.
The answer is 3 h 34 min
